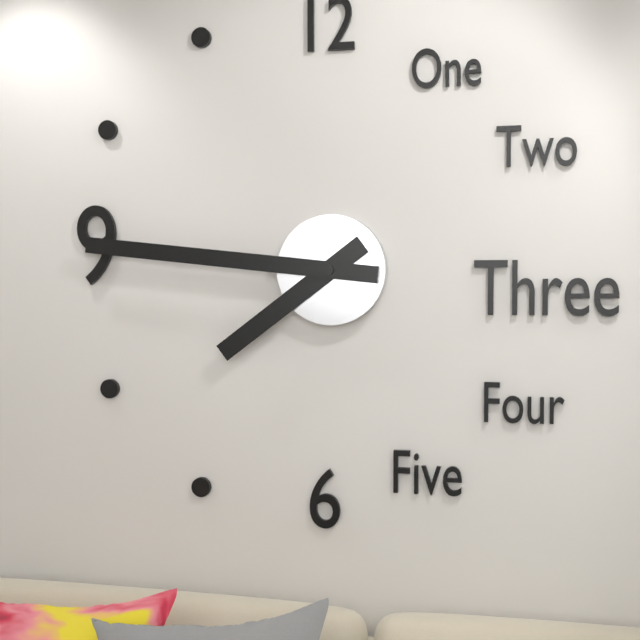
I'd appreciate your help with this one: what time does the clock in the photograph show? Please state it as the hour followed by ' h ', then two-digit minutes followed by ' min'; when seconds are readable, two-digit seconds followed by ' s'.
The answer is 7 h 46 min
